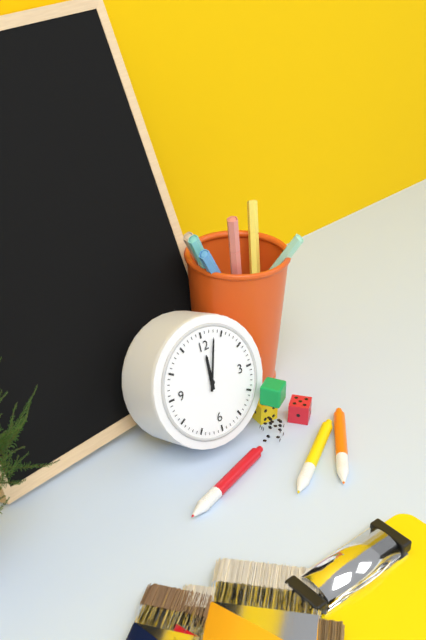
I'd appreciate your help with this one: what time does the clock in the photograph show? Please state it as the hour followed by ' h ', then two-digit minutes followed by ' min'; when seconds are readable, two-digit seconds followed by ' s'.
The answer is 12 h 03 min
